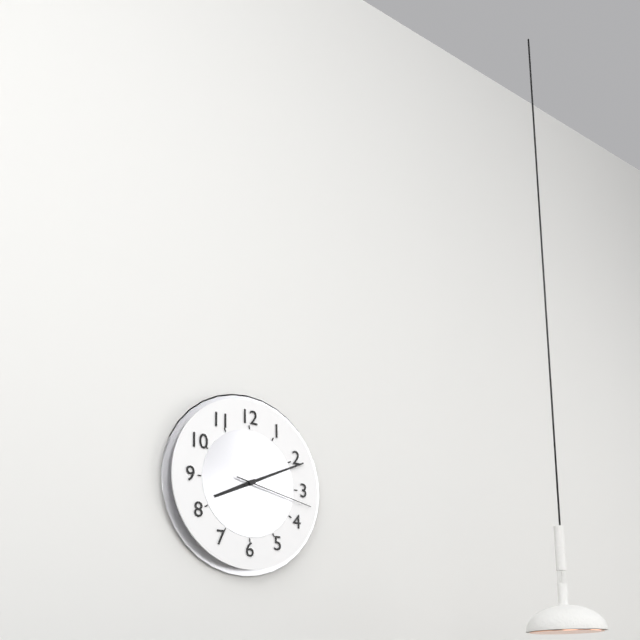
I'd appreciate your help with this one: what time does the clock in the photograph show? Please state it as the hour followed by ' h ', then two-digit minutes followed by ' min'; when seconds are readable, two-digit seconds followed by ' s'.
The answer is 8 h 11 min 17 s
